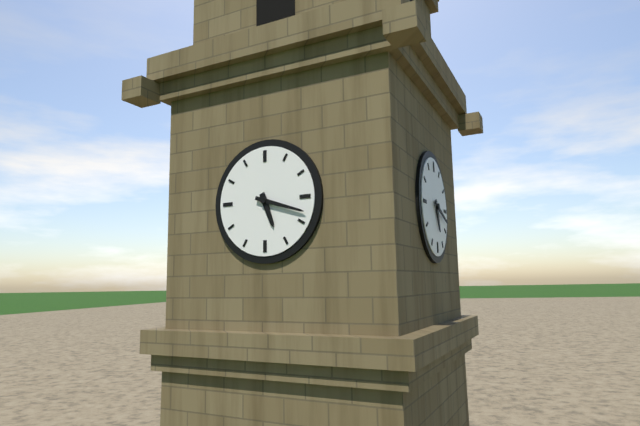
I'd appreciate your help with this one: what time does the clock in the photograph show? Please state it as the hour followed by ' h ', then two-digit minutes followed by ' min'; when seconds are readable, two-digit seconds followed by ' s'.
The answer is 5 h 18 min
